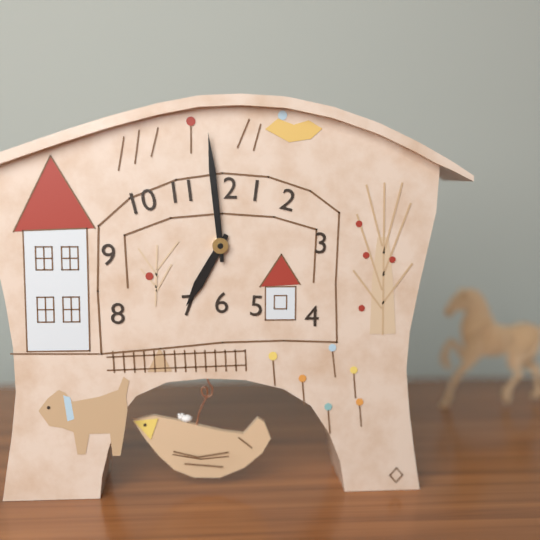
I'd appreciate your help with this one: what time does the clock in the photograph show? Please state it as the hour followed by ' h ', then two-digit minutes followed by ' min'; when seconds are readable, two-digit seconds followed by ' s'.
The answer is 6 h 59 min
